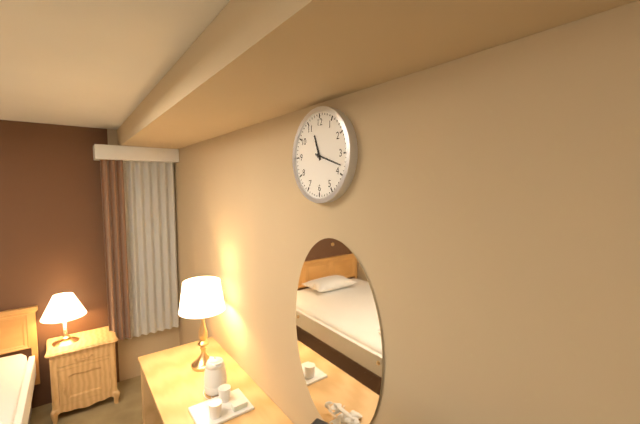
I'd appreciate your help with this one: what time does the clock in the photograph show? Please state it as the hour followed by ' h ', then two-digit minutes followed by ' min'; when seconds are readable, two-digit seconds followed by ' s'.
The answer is 11 h 18 min
